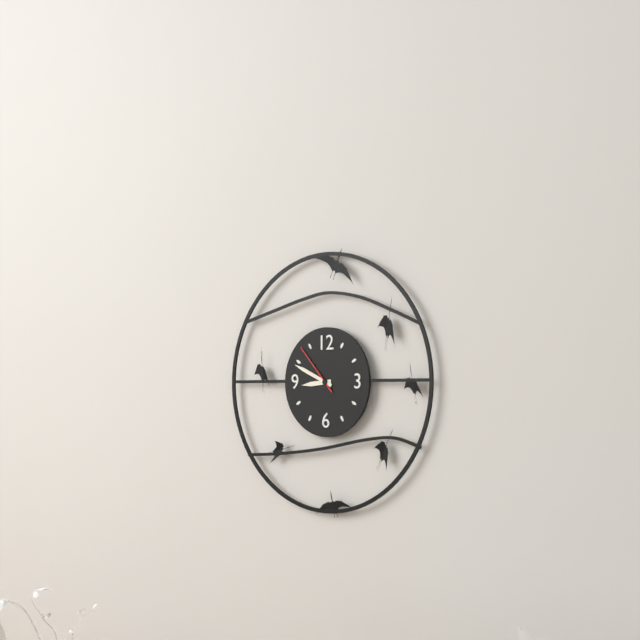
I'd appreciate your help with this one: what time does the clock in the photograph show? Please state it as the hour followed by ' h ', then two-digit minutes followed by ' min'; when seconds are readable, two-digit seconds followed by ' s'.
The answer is 8 h 49 min 53 s
